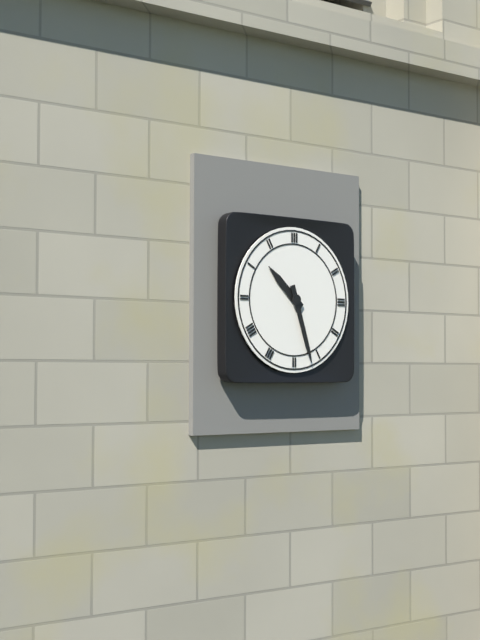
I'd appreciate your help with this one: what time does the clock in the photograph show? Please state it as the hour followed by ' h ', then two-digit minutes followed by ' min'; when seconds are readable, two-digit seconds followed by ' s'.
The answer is 10 h 27 min
